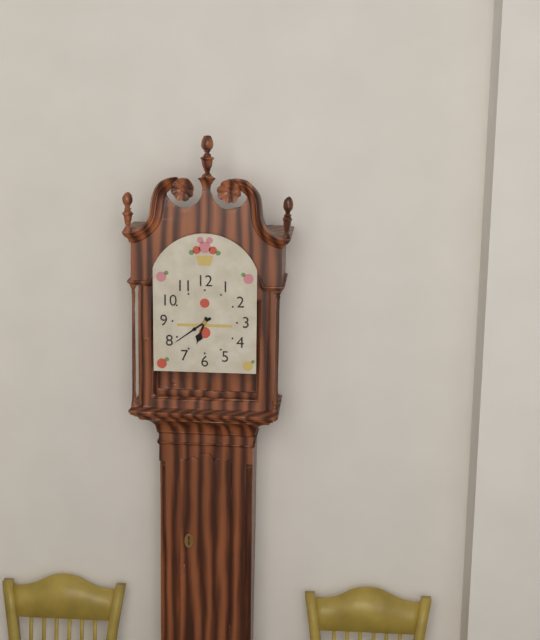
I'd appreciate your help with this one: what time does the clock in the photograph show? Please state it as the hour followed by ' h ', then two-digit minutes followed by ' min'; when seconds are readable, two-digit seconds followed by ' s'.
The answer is 6 h 39 min
